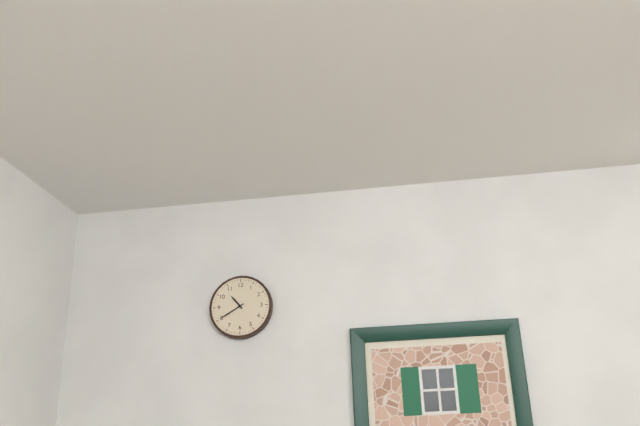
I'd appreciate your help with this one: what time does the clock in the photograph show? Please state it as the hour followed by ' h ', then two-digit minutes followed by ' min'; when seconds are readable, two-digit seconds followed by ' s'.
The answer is 10 h 40 min
